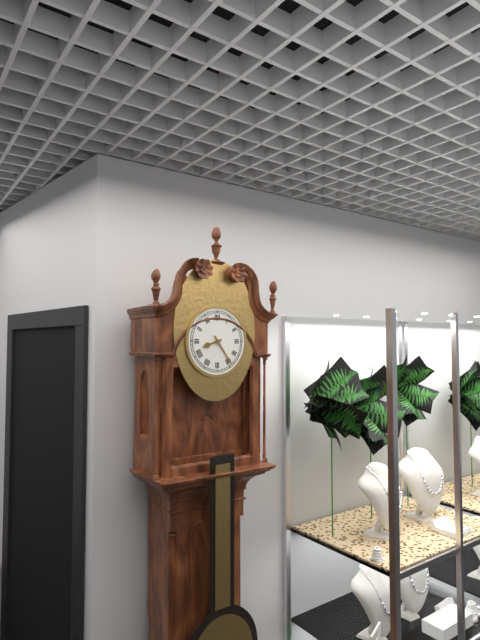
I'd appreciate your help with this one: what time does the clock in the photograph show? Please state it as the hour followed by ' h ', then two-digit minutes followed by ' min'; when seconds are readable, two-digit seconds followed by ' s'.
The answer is 8 h 24 min
